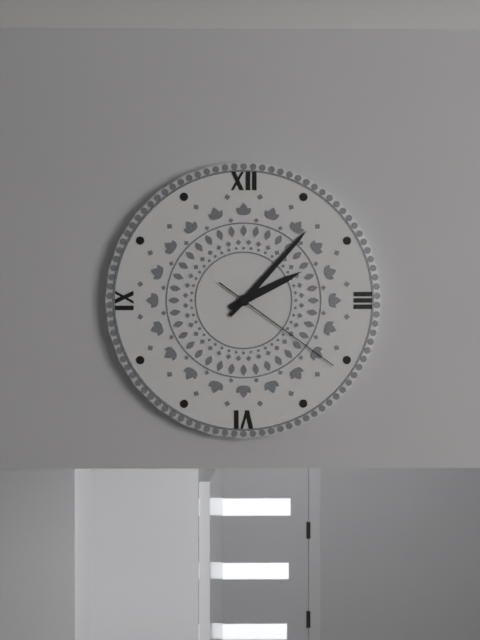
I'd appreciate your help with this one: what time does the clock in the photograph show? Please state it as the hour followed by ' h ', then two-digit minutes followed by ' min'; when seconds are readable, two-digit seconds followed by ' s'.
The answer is 2 h 07 min 21 s
